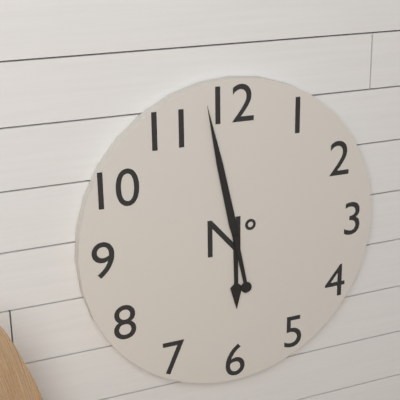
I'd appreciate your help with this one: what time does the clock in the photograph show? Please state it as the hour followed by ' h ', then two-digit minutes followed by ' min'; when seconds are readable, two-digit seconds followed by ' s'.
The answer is 5 h 58 min
